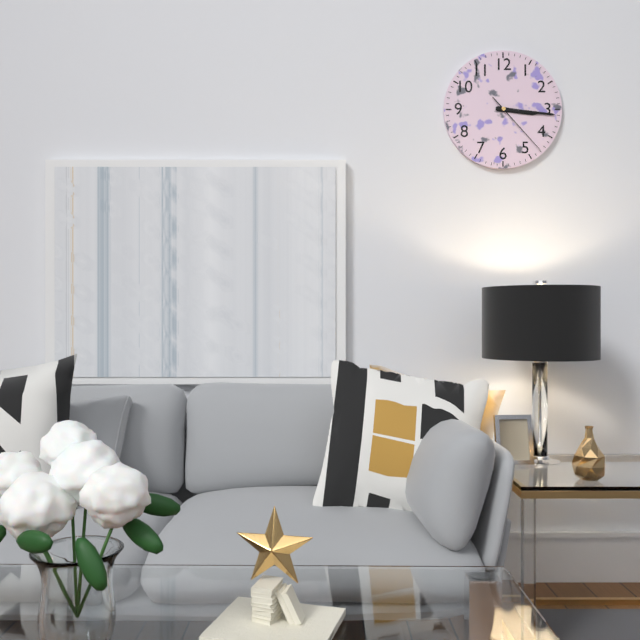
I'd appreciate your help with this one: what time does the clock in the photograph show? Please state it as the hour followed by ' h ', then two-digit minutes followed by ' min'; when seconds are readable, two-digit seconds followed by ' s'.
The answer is 3 h 16 min 23 s
